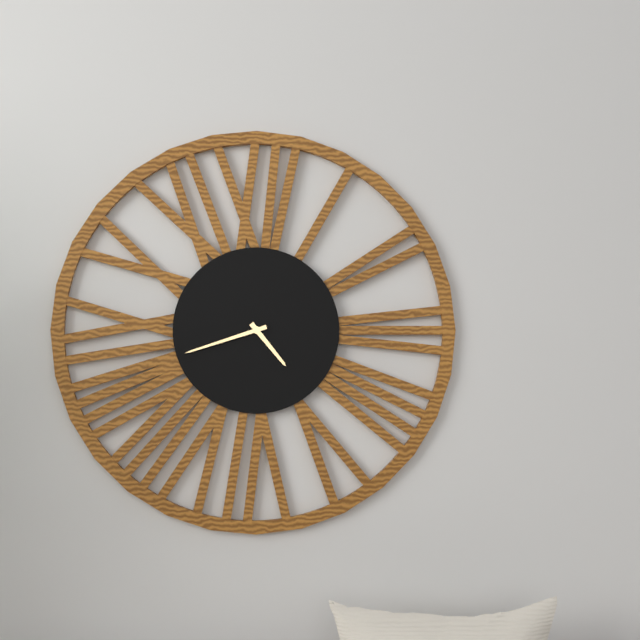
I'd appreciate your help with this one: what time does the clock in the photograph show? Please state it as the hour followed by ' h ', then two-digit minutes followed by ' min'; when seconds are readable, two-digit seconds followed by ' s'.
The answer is 4 h 42 min
